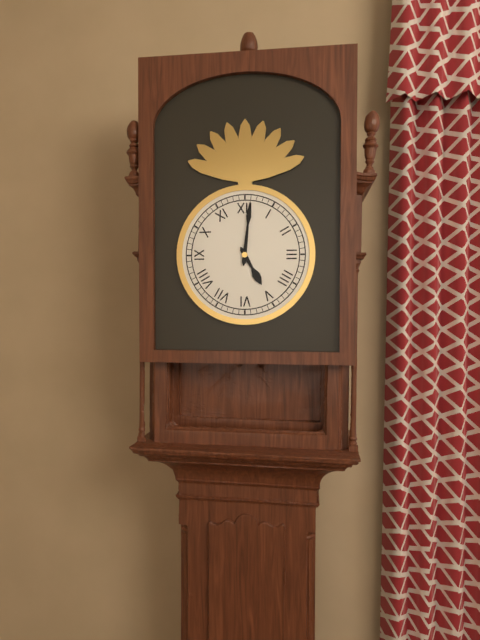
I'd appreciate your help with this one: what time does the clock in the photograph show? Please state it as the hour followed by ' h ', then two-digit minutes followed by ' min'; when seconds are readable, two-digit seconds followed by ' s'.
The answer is 5 h 01 min
